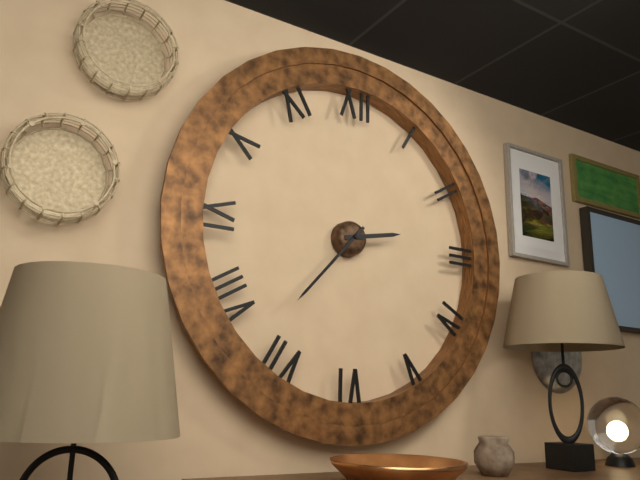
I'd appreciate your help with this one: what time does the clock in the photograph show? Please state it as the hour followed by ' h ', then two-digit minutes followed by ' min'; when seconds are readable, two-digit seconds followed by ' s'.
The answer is 2 h 37 min
